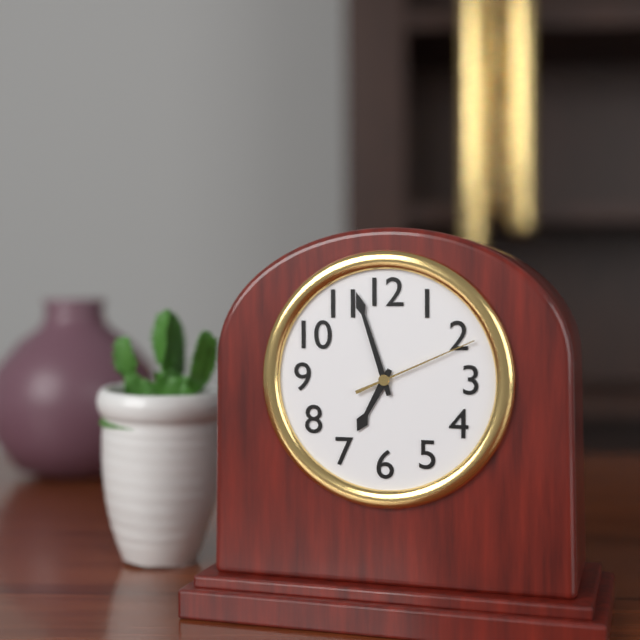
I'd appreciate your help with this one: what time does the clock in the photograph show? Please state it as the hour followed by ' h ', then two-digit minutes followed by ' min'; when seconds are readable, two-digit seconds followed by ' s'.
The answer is 6 h 57 min 11 s
